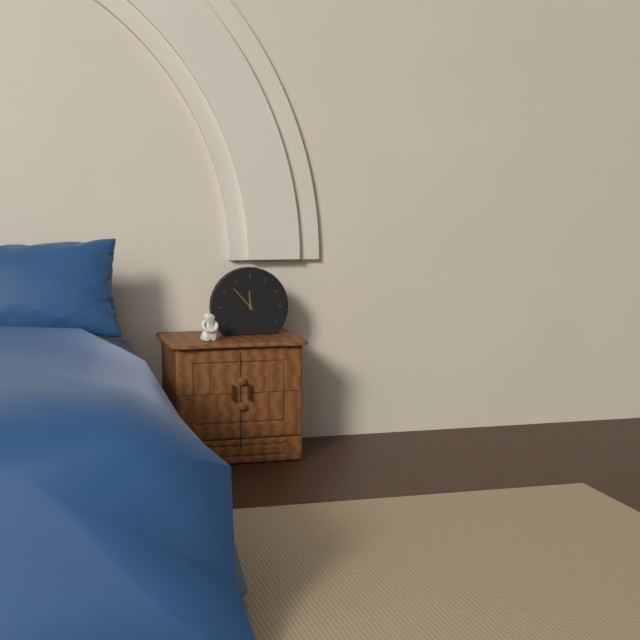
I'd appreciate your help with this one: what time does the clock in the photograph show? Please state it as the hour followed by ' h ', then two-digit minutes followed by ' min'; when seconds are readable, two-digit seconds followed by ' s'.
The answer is 11 h 53 min
